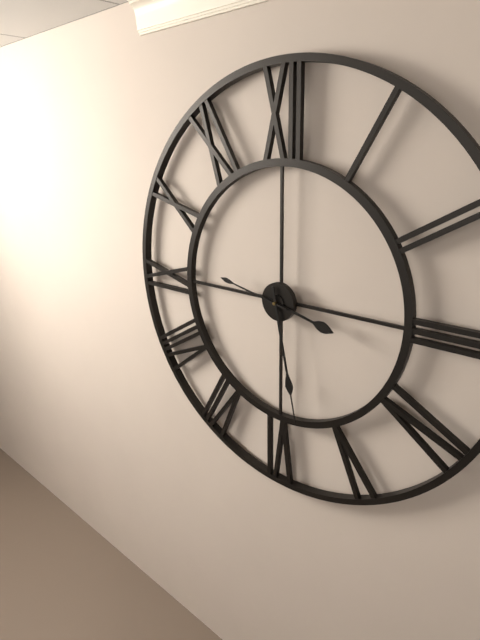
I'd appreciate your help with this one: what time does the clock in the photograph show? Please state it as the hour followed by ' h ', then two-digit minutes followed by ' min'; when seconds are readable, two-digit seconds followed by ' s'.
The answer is 3 h 28 min 47 s
